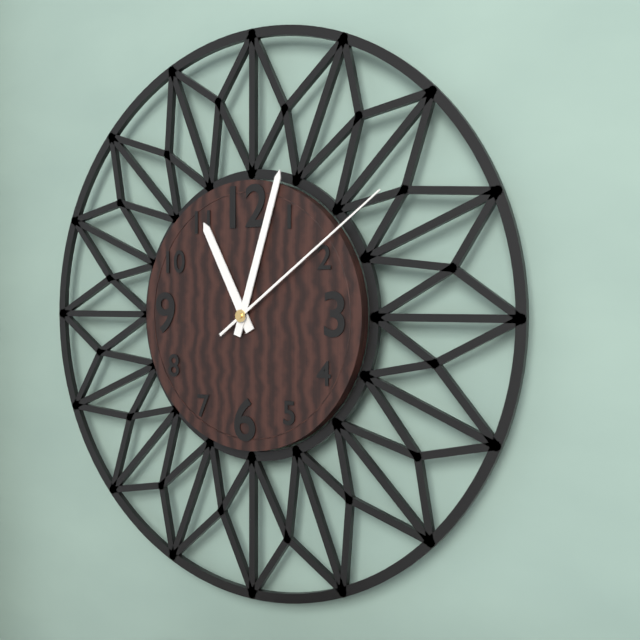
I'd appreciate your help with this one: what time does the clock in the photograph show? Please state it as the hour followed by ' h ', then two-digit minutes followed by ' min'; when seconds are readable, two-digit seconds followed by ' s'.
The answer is 11 h 03 min 09 s
